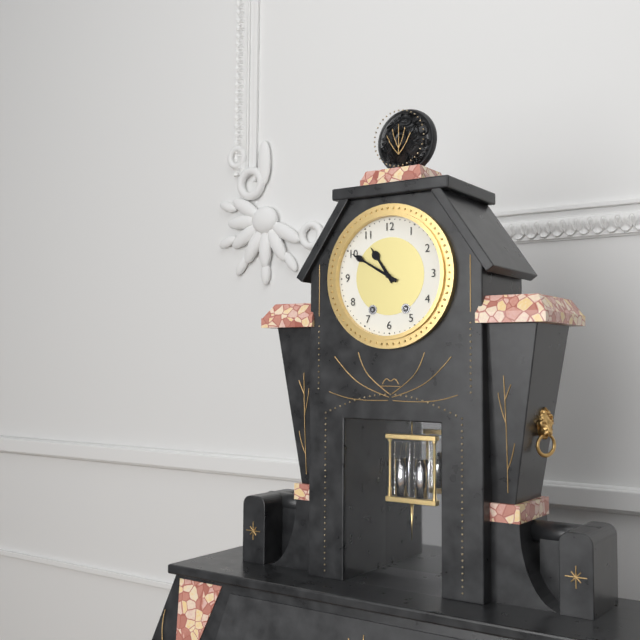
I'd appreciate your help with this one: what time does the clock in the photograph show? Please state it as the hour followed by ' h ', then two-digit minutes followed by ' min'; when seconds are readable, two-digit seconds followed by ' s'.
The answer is 10 h 50 min
